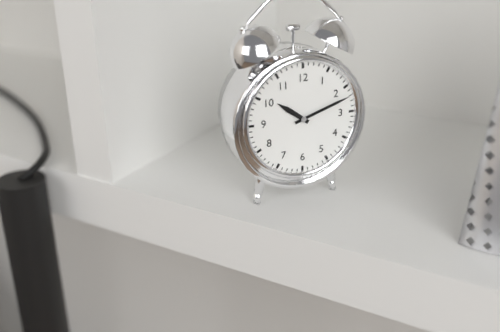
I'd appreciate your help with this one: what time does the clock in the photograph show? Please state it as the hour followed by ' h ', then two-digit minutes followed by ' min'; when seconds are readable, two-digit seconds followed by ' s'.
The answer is 10 h 12 min
